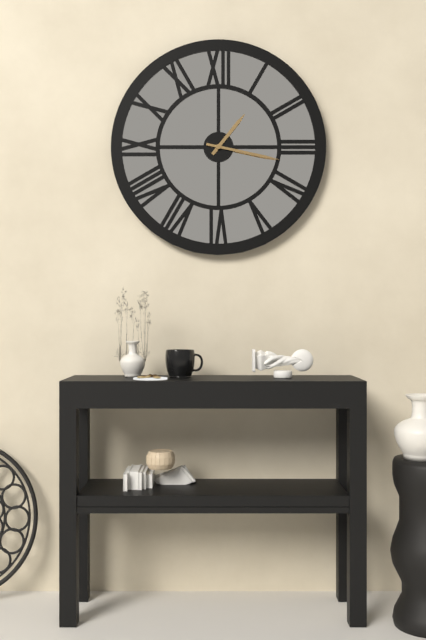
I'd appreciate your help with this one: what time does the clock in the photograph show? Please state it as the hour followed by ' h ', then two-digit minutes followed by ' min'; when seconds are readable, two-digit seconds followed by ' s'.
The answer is 1 h 17 min
